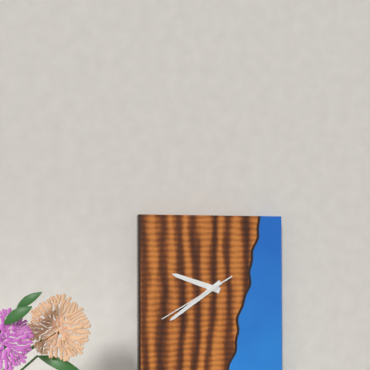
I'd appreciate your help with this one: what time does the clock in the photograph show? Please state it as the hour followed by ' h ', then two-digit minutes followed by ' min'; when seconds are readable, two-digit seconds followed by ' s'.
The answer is 9 h 39 min 40 s
